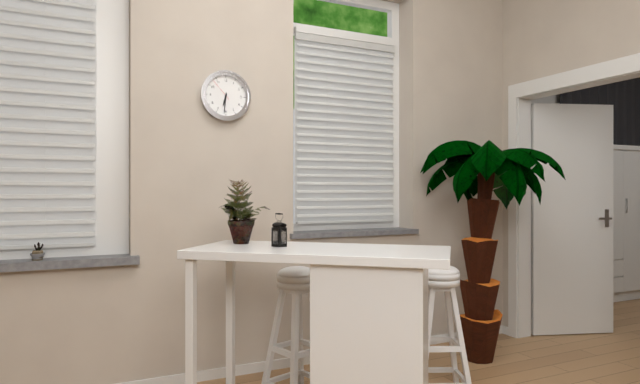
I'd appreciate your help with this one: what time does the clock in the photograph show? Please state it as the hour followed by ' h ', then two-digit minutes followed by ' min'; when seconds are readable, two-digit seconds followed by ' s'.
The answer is 6 h 31 min
